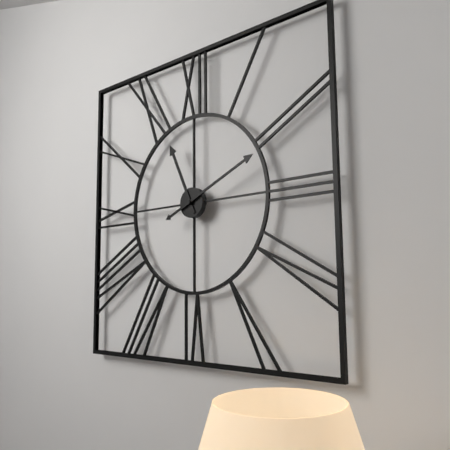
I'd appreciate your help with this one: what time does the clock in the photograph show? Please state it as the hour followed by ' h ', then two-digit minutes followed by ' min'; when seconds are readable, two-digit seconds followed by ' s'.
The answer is 11 h 11 min
